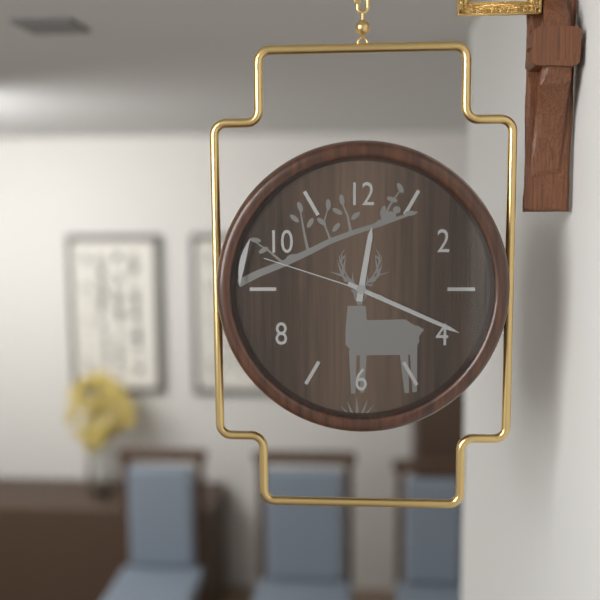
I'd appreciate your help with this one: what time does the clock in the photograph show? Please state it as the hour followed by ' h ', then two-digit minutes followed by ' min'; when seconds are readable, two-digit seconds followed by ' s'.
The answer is 12 h 19 min 48 s
